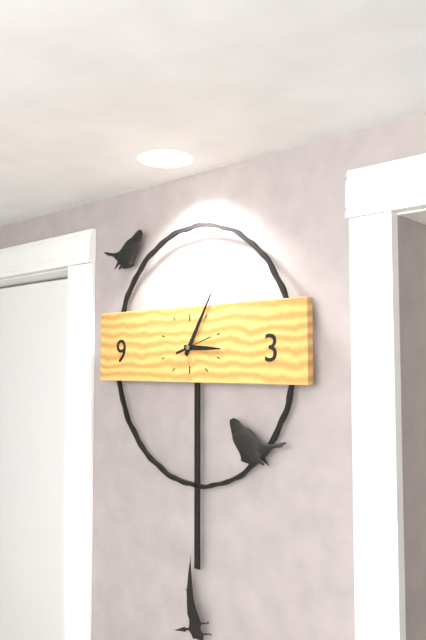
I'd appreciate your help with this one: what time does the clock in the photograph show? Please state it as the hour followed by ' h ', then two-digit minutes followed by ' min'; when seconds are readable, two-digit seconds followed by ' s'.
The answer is 3 h 05 min
